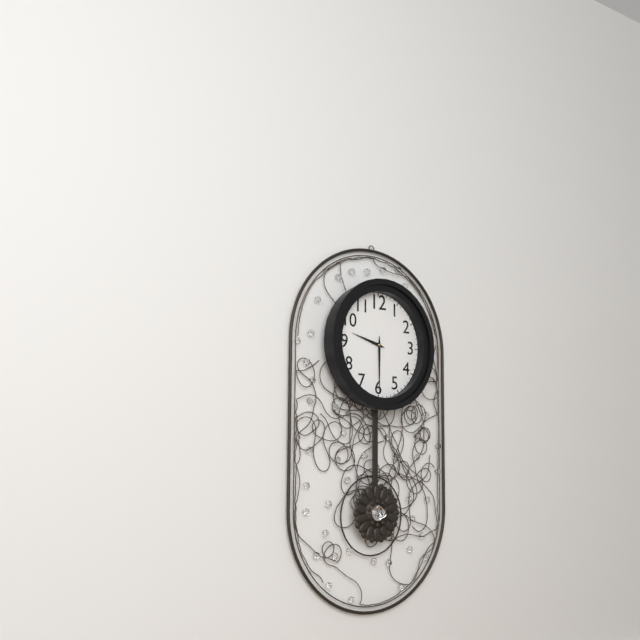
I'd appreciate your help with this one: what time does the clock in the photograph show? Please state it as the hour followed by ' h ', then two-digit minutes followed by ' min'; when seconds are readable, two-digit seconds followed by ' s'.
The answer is 9 h 30 min
